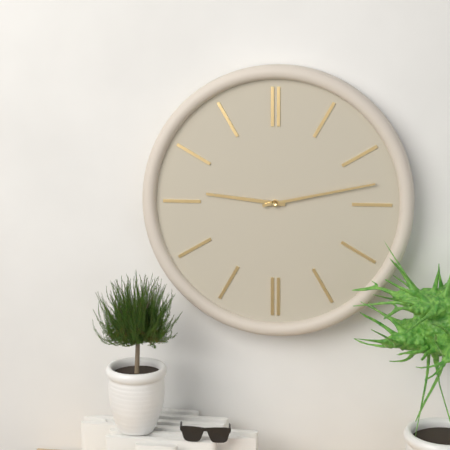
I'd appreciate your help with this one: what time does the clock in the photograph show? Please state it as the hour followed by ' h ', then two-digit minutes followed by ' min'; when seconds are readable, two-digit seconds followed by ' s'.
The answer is 9 h 13 min
